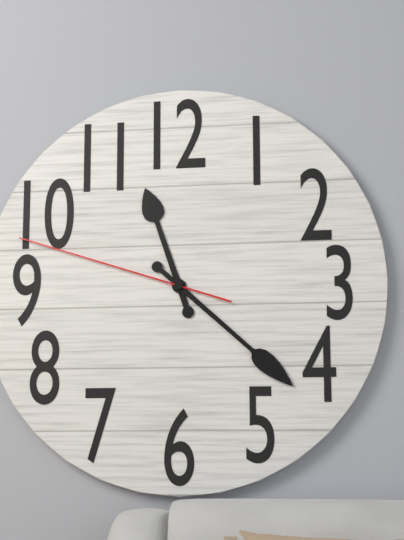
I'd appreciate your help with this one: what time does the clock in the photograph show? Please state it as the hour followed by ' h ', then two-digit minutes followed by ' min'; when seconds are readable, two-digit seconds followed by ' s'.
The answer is 11 h 22 min 48 s
